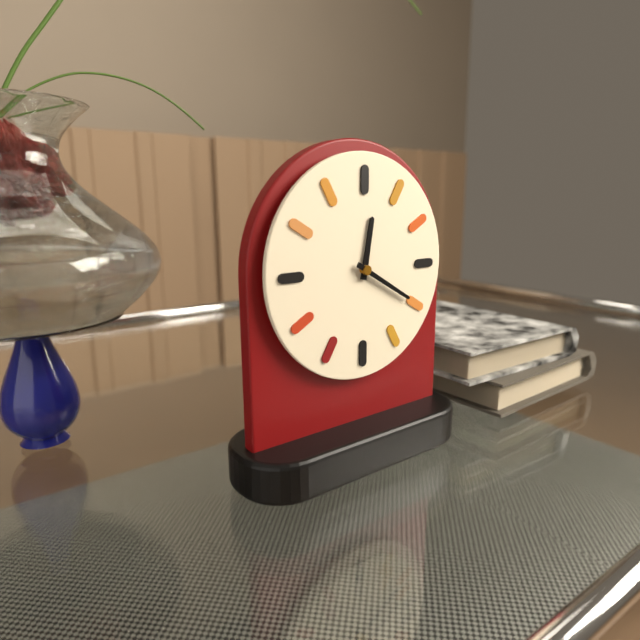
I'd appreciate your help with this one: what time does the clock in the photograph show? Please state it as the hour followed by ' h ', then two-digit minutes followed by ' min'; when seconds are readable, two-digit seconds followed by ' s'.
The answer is 12 h 20 min
